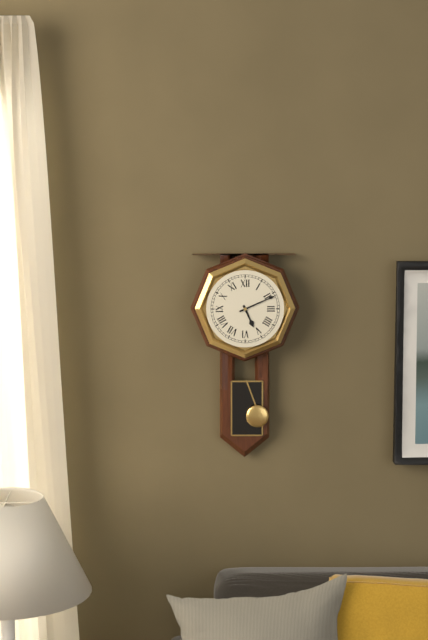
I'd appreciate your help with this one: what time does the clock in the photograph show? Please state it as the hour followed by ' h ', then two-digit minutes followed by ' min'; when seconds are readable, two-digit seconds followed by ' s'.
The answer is 5 h 11 min
